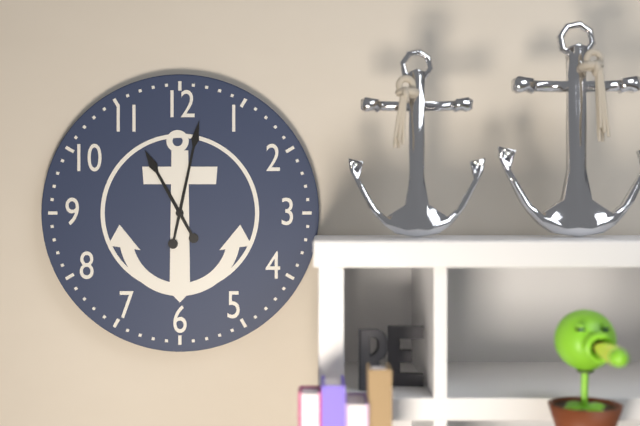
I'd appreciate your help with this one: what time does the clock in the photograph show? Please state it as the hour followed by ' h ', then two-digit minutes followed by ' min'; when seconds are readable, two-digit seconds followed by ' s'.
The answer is 11 h 02 min
